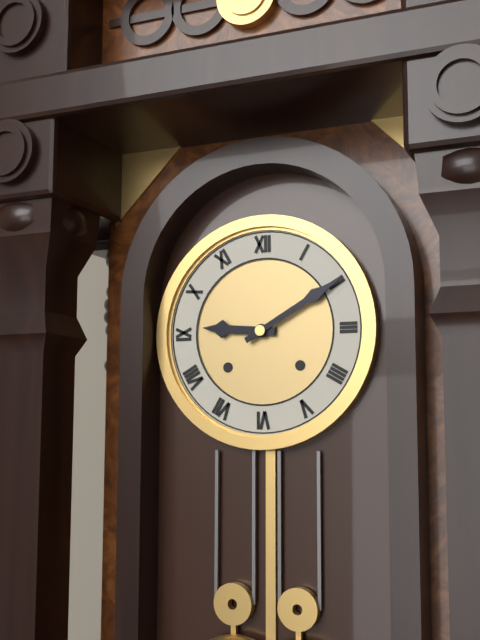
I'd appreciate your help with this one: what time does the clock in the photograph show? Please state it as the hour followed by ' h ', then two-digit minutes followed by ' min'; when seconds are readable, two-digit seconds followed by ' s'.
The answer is 9 h 10 min
